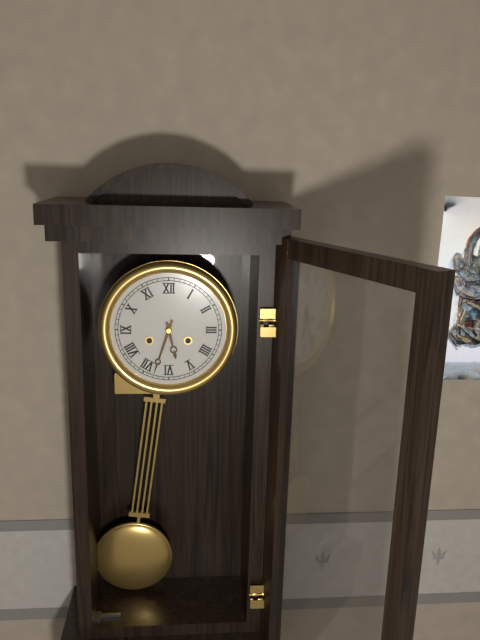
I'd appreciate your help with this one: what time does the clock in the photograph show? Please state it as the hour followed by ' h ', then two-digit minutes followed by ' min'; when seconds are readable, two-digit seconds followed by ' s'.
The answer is 5 h 33 min
